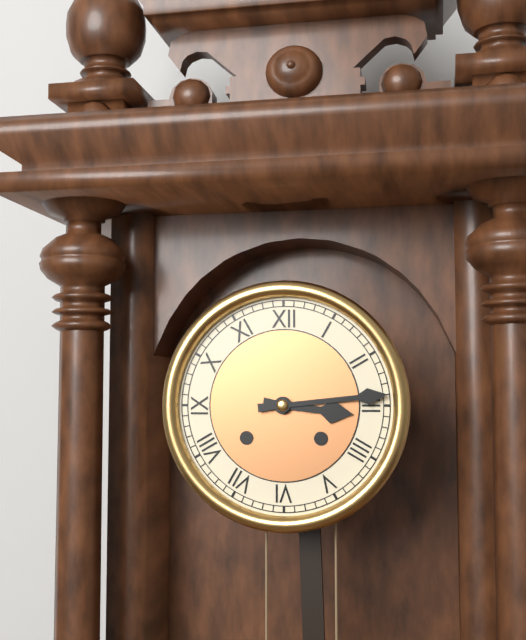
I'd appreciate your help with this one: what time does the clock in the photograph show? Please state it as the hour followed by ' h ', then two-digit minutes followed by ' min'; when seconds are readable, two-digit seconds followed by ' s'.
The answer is 3 h 14 min
